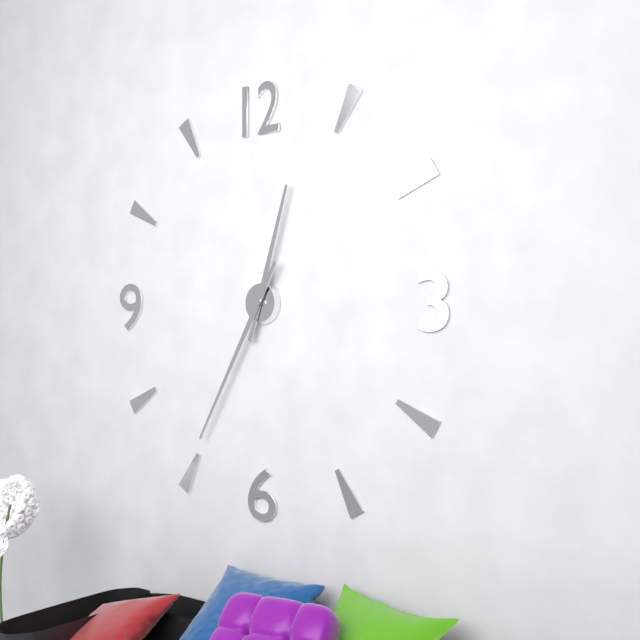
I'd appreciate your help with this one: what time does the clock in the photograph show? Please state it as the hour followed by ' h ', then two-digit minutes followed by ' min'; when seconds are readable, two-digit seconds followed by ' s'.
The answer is 12 h 35 min
